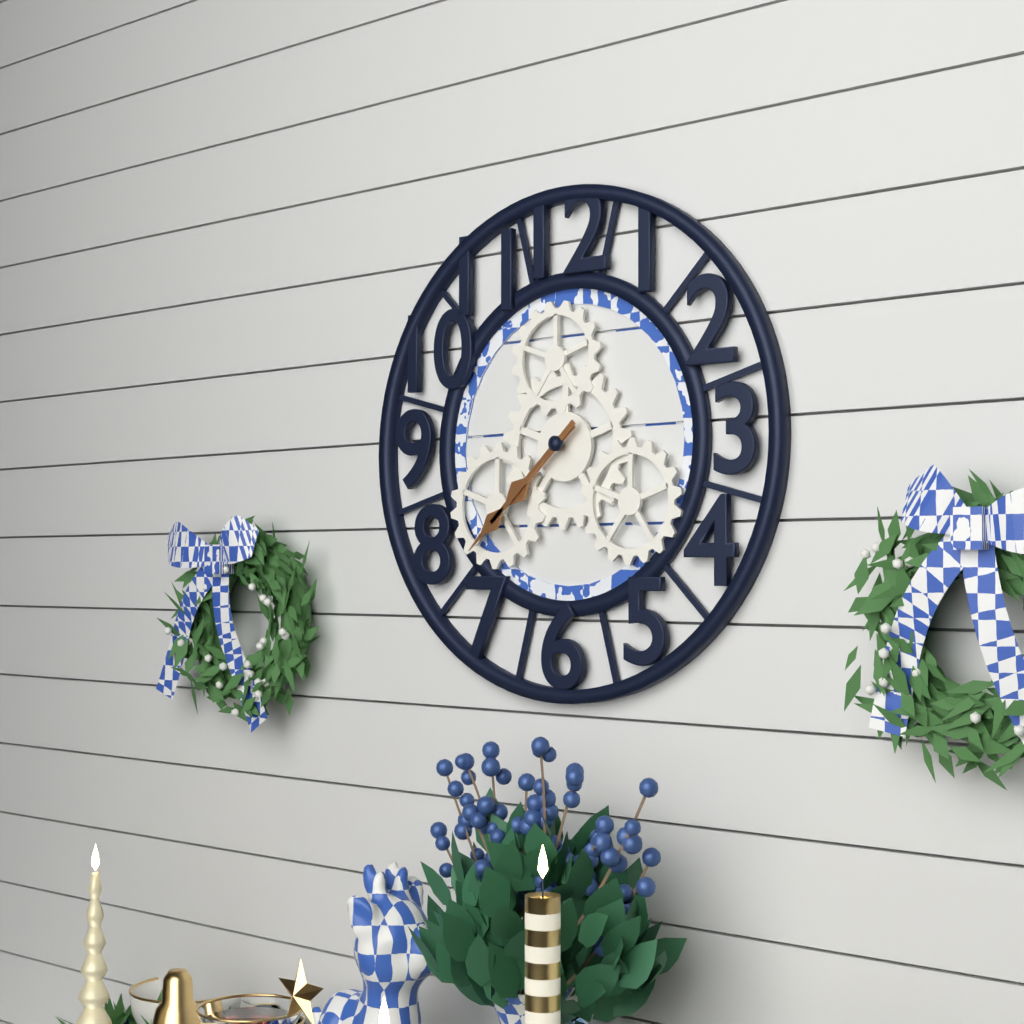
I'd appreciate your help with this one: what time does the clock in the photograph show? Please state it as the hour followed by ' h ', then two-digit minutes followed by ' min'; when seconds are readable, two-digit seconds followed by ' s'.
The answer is 7 h 38 min
